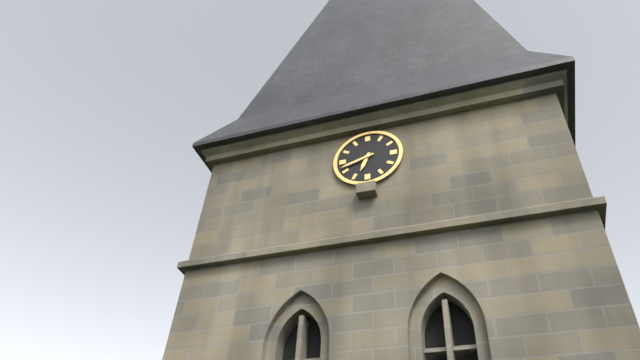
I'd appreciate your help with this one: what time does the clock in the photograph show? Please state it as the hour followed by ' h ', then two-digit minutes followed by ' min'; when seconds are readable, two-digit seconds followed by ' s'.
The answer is 6 h 42 min
